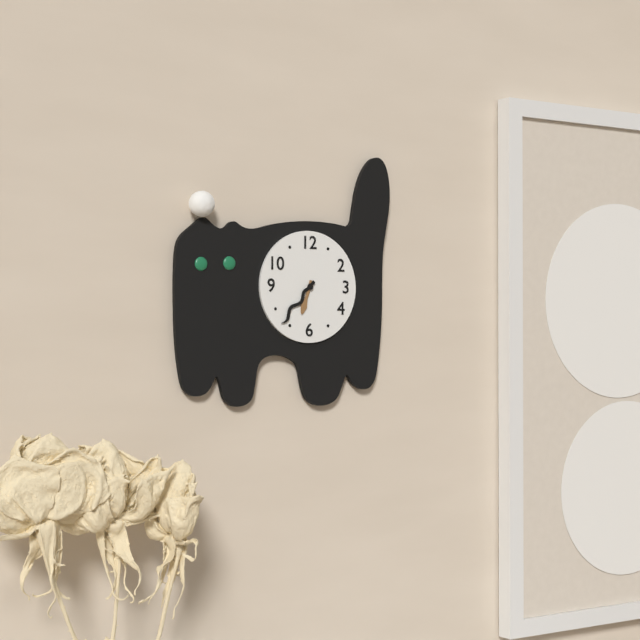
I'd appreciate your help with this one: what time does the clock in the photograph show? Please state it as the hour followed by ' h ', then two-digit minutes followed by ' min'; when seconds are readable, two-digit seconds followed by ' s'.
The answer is 6 h 37 min
